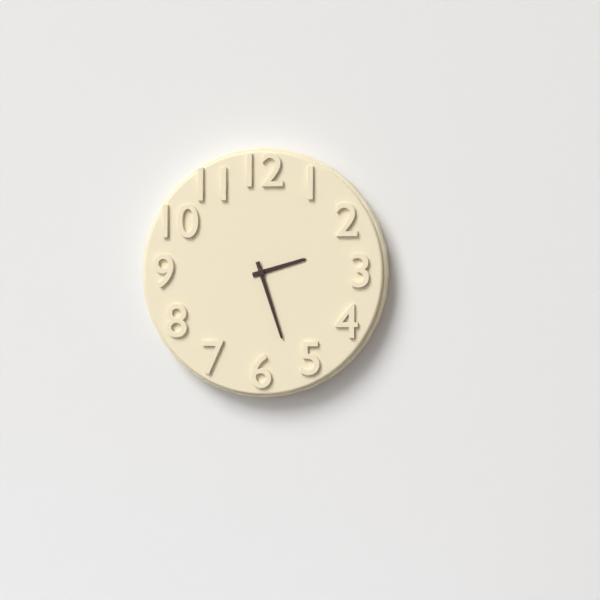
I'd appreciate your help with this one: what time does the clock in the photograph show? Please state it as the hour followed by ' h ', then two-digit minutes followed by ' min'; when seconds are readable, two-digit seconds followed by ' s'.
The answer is 2 h 27 min
